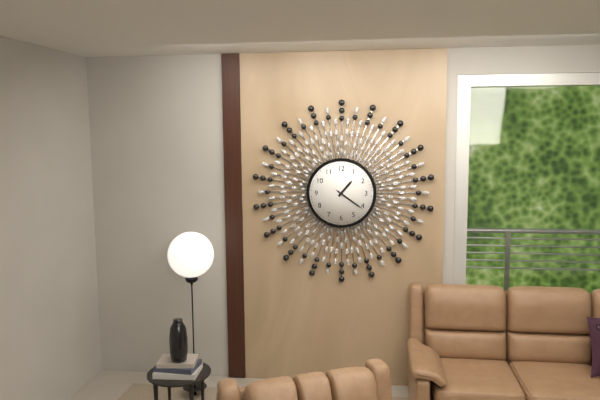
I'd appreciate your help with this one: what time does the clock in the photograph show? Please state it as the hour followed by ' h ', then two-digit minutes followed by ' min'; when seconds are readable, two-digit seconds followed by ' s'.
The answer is 1 h 21 min
